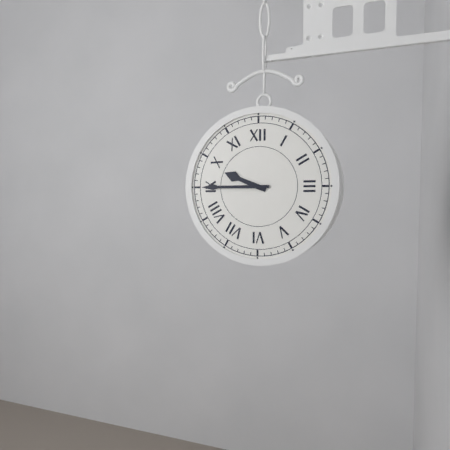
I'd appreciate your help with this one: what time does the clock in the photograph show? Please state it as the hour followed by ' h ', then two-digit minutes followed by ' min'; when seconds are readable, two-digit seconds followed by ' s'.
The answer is 9 h 45 min
